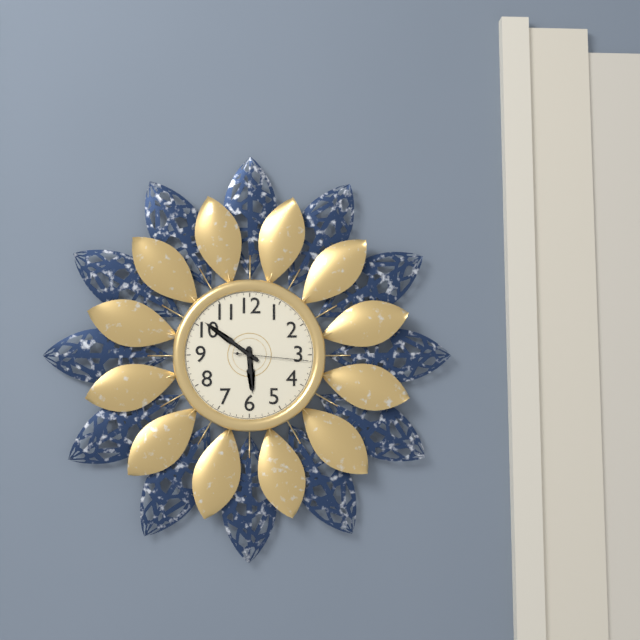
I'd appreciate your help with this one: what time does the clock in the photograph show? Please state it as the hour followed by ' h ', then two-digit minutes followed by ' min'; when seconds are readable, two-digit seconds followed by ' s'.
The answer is 5 h 51 min 16 s
